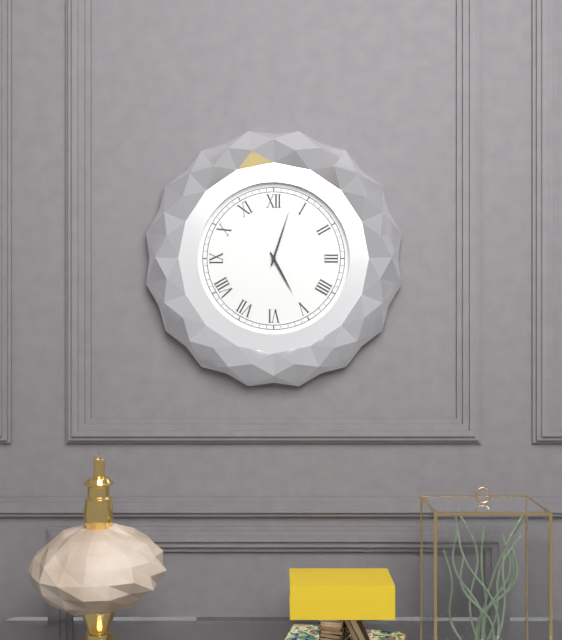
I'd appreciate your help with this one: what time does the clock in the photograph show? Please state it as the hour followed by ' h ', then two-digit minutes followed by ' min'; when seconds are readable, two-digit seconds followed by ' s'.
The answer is 5 h 03 min
